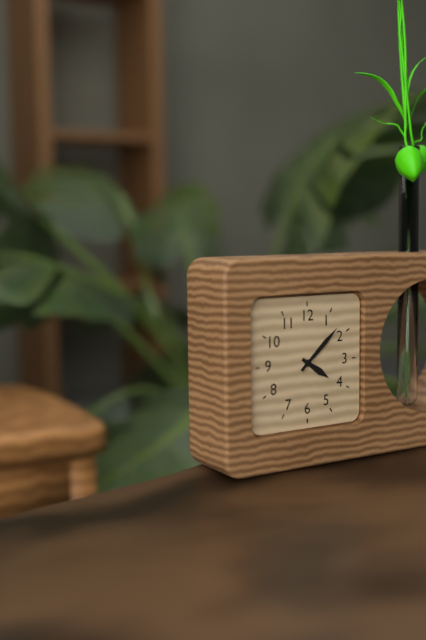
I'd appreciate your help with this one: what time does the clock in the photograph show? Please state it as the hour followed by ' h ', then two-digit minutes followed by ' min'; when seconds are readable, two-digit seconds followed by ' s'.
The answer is 4 h 08 min
